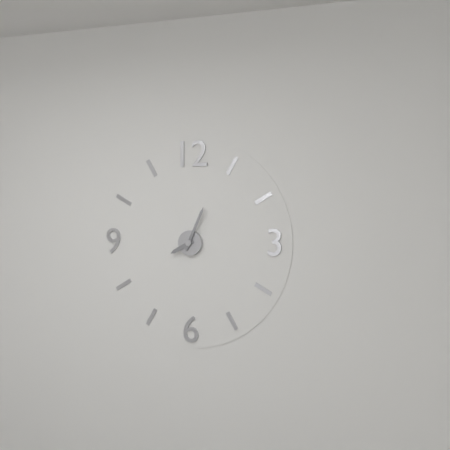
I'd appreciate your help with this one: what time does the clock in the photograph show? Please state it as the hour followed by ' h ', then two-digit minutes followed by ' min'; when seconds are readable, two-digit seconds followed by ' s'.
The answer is 8 h 04 min
